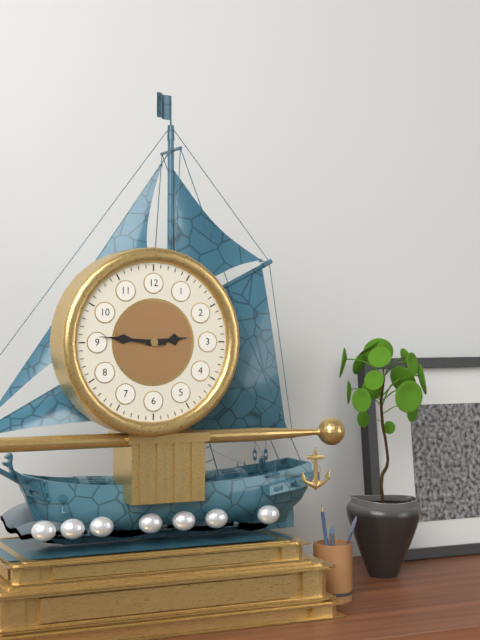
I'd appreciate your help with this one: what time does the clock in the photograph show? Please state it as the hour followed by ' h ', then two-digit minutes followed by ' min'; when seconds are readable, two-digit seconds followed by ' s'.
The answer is 2 h 46 min
